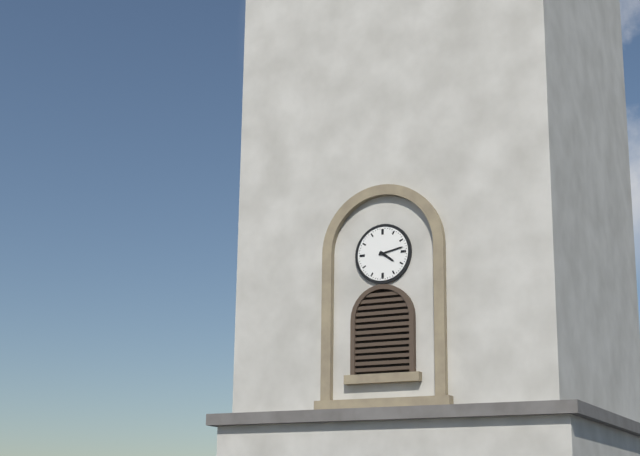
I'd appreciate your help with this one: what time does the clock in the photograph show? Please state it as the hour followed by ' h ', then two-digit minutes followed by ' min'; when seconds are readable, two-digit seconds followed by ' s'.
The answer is 4 h 13 min
